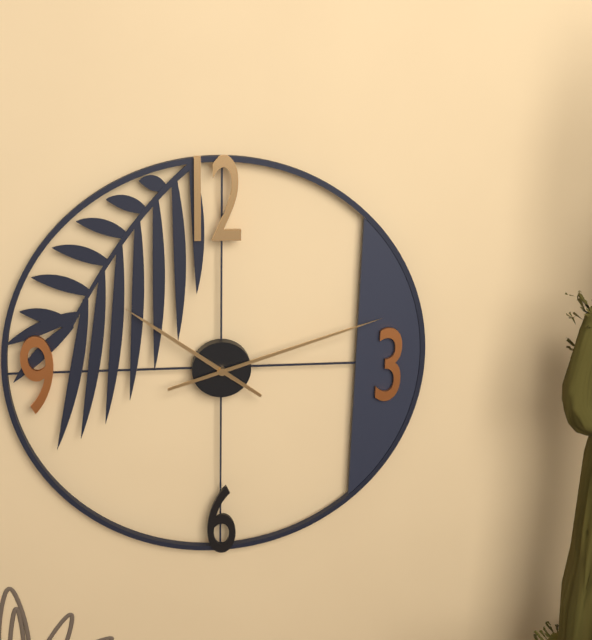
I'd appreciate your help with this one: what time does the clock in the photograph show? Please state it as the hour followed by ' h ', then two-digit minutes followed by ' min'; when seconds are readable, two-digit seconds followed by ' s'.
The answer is 10 h 12 min
